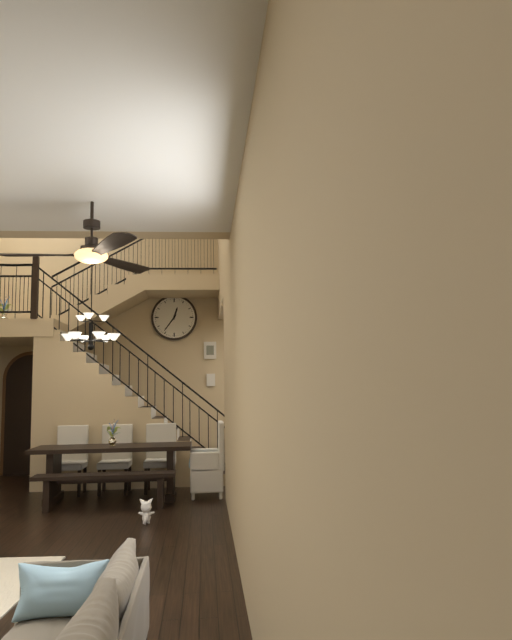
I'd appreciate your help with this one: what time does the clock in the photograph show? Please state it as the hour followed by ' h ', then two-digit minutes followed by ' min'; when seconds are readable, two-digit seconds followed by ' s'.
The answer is 12 h 36 min
